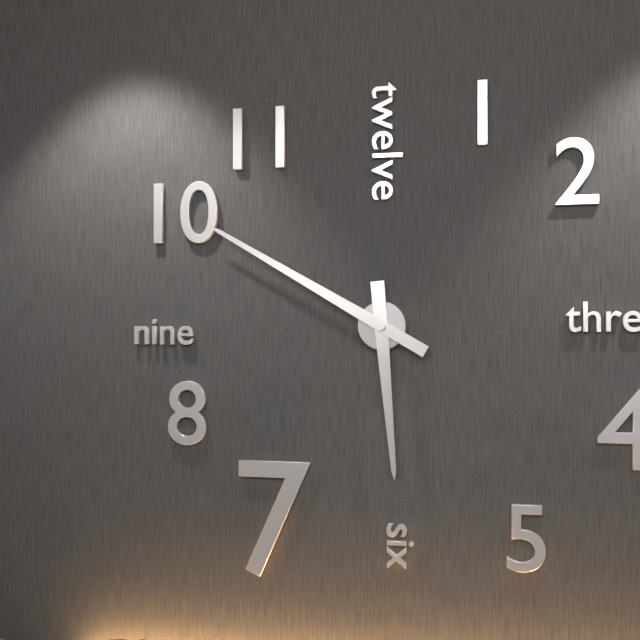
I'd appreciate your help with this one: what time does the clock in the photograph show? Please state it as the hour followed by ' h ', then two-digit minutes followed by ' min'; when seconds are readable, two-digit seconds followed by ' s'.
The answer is 5 h 50 min
